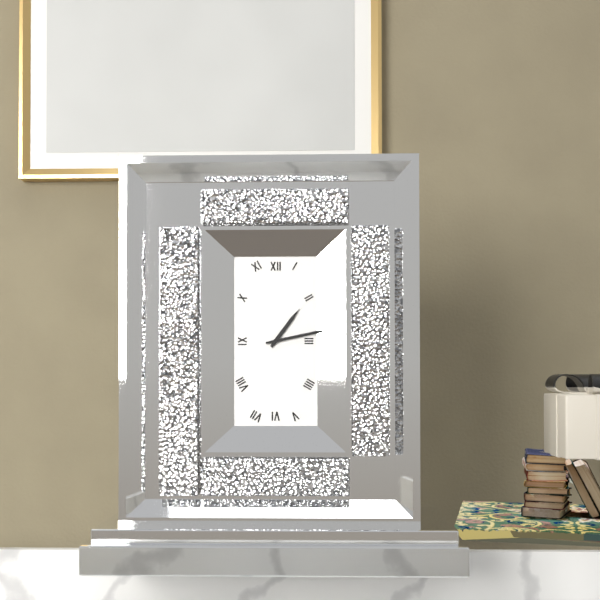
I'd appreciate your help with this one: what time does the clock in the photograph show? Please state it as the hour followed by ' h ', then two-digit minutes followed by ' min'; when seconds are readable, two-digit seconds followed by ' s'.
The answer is 1 h 13 min
